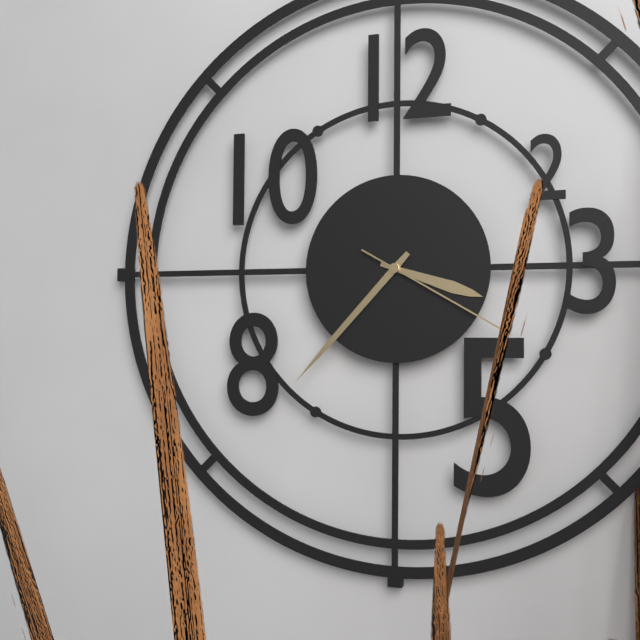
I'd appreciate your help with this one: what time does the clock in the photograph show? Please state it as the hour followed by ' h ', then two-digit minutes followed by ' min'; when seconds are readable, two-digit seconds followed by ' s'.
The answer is 3 h 37 min 20 s
